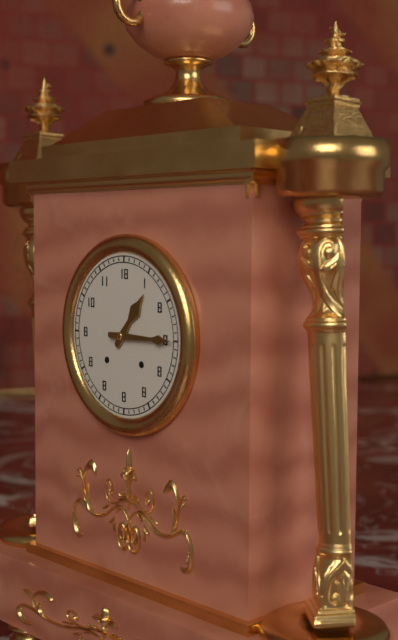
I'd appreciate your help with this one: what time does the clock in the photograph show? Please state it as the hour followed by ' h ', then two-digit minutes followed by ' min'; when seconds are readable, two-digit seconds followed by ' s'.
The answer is 1 h 15 min
